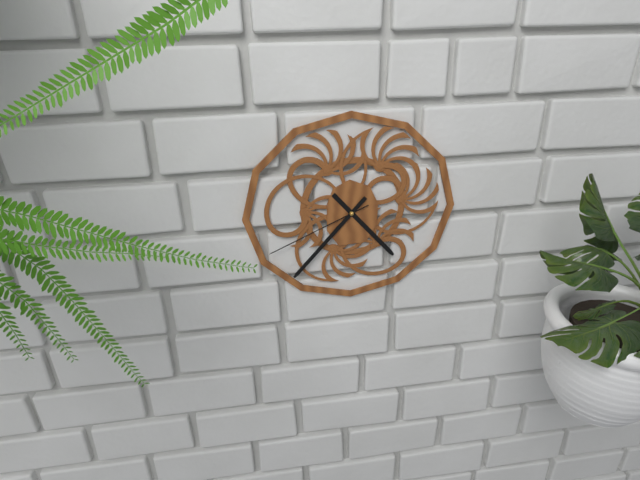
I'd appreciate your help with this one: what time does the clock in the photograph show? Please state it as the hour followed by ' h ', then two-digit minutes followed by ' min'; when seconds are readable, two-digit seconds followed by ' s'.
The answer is 4 h 37 min 41 s
